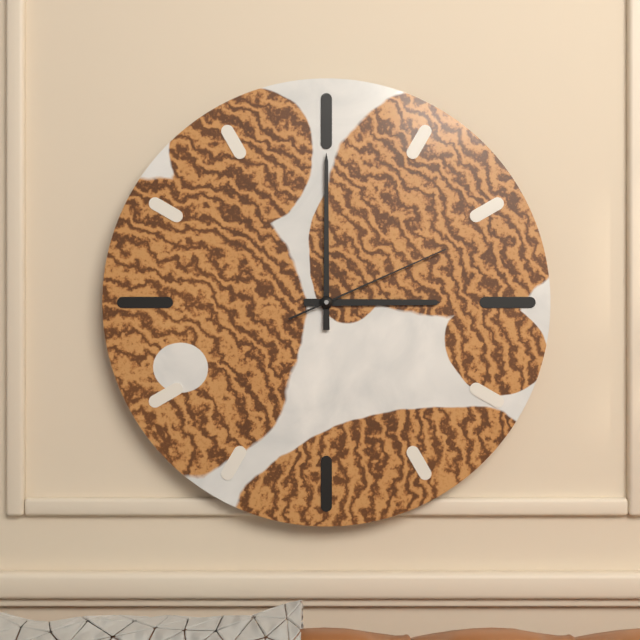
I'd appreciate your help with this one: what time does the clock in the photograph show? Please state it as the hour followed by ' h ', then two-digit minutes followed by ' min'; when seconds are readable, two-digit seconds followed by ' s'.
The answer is 3 h 00 min 11 s
